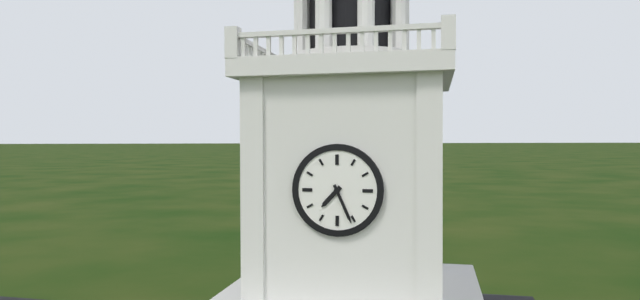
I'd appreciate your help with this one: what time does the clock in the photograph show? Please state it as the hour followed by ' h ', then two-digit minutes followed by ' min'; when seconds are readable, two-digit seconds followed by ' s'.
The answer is 7 h 26 min
